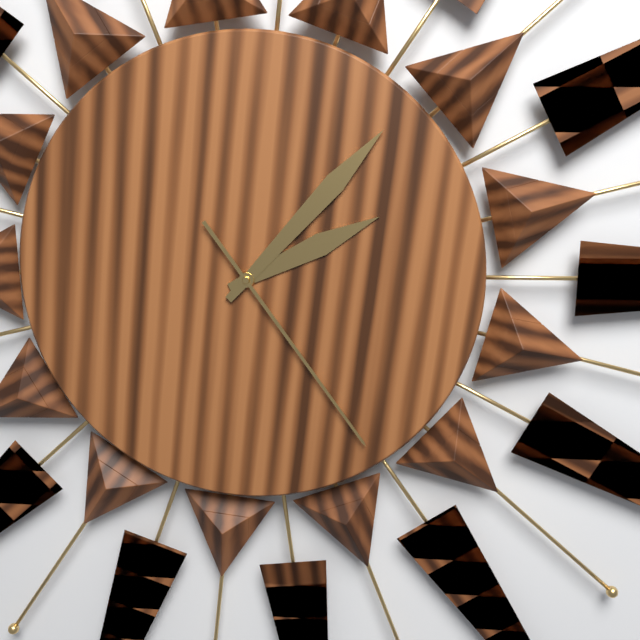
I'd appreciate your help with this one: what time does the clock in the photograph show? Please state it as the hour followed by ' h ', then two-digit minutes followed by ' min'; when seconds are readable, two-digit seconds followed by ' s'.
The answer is 2 h 07 min 24 s
